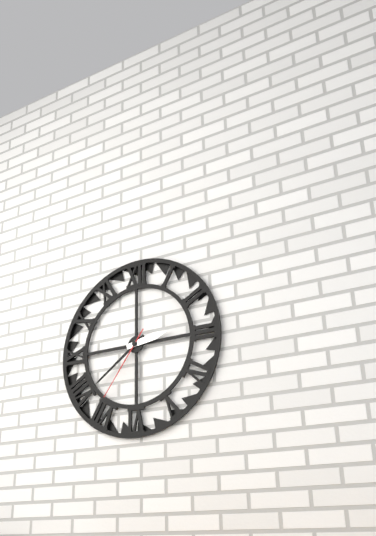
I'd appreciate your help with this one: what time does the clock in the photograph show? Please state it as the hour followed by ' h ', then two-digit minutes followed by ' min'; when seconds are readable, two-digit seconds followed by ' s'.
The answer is 2 h 39 min 36 s
